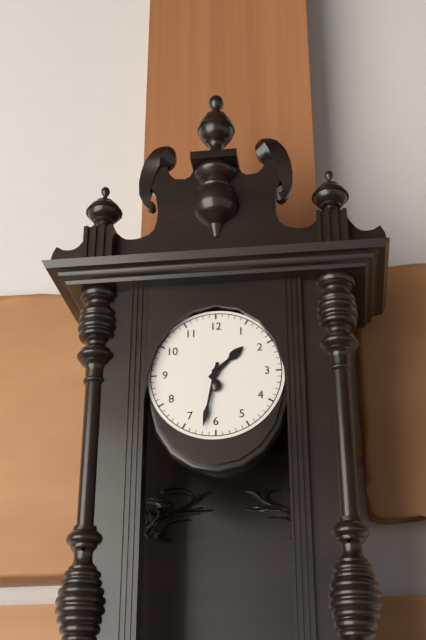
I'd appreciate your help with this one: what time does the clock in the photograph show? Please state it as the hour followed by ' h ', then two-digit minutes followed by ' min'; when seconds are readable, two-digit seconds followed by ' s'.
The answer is 1 h 32 min
